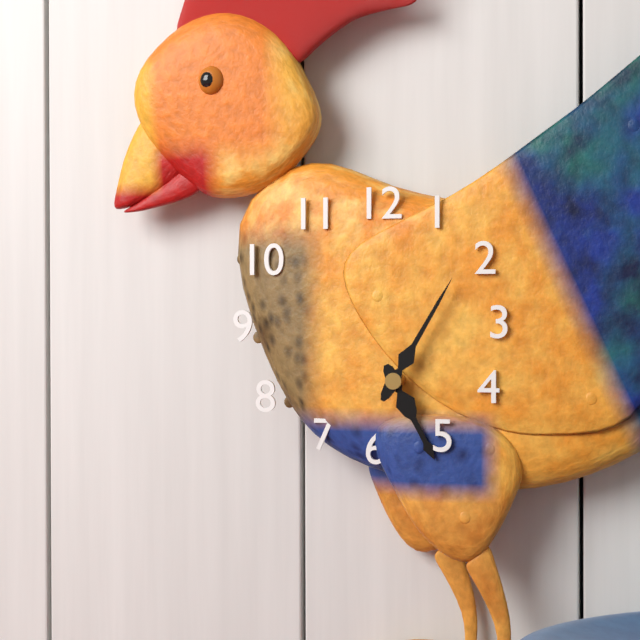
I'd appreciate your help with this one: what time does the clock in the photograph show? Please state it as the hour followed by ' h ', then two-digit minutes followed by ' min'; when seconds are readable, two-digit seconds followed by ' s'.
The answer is 5 h 05 min
